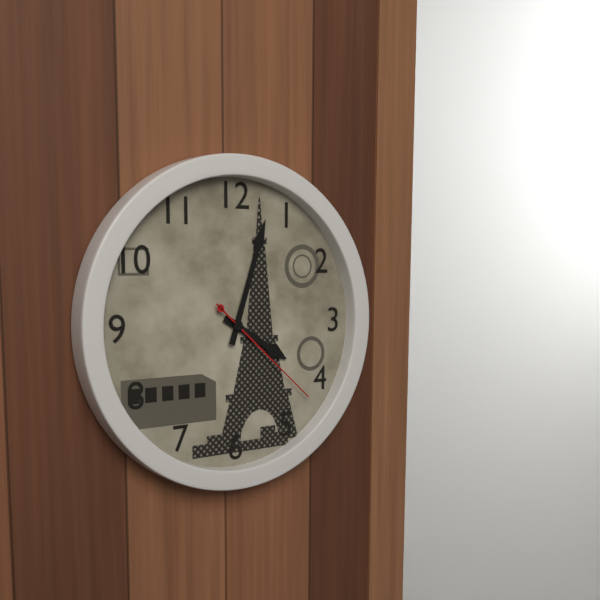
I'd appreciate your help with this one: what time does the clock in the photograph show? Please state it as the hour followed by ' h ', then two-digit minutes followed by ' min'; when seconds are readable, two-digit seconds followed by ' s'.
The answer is 4 h 03 min 22 s
